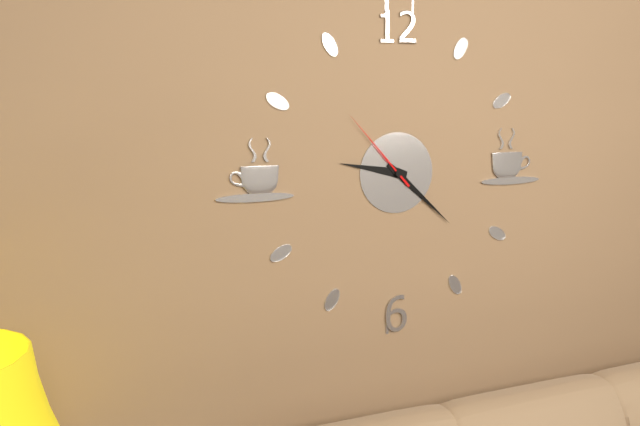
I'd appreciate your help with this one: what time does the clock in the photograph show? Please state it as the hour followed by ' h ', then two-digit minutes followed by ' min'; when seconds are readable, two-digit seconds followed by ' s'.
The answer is 9 h 22 min 53 s
